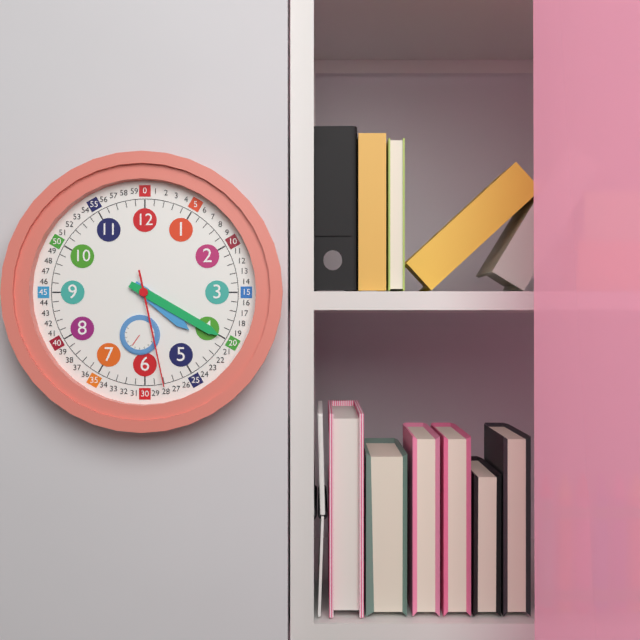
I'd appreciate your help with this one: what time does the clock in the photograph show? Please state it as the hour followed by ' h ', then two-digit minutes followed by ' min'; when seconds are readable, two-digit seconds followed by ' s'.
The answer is 4 h 20 min 28 s
